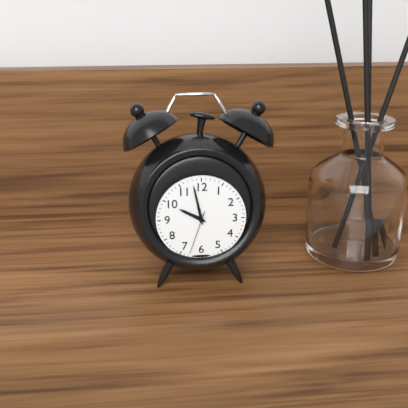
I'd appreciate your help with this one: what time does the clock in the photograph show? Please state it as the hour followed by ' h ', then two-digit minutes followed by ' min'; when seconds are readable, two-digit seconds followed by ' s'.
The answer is 9 h 58 min
